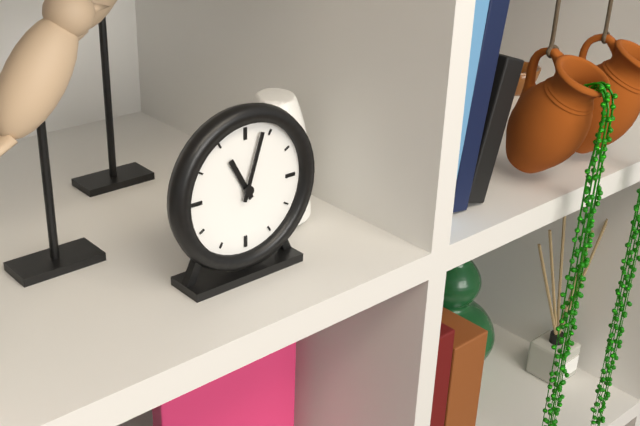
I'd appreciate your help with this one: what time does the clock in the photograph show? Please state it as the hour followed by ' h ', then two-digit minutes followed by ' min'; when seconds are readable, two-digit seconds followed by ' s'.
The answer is 11 h 03 min
